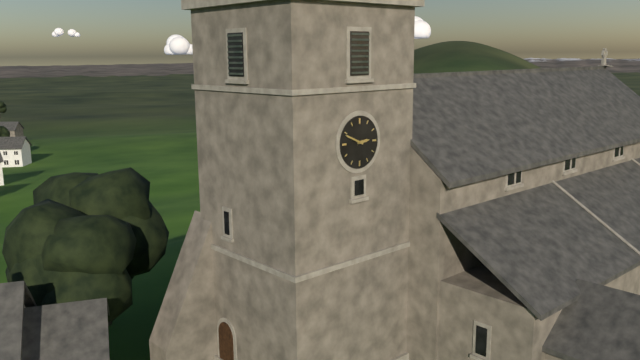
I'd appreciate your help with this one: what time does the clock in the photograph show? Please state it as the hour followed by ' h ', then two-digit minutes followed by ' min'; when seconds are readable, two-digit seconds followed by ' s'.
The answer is 2 h 49 min
